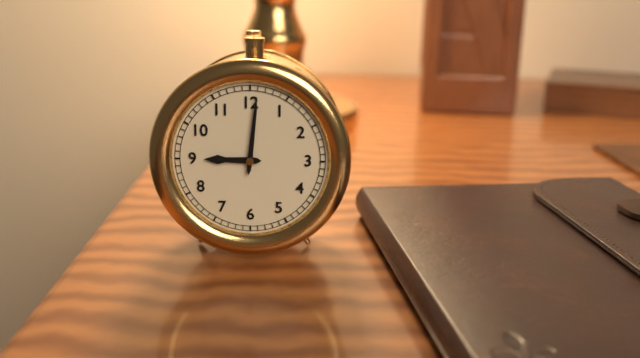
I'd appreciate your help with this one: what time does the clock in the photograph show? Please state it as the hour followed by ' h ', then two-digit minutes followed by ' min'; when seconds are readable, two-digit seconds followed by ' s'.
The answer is 9 h 01 min
